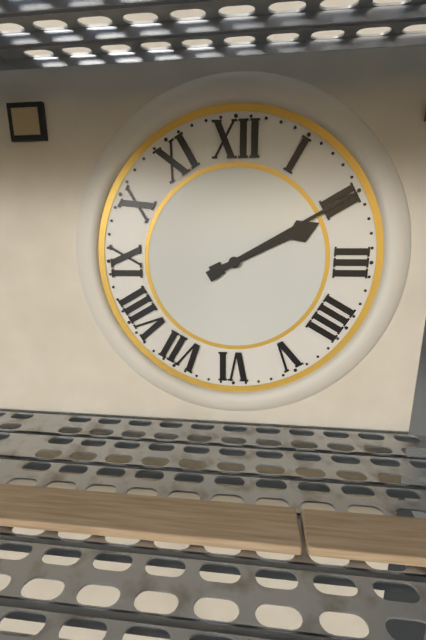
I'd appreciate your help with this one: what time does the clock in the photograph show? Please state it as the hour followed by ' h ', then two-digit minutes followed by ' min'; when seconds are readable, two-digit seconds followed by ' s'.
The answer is 2 h 10 min
